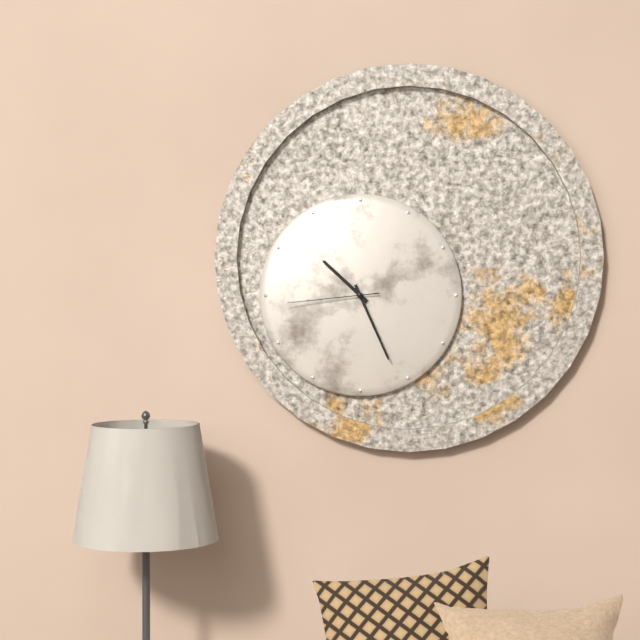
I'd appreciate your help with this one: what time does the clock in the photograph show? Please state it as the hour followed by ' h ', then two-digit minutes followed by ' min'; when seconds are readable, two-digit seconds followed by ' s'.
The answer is 10 h 26 min 44 s
